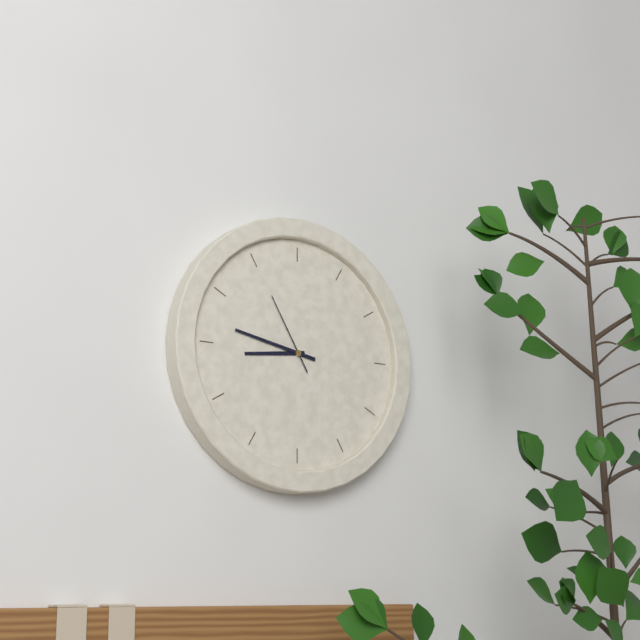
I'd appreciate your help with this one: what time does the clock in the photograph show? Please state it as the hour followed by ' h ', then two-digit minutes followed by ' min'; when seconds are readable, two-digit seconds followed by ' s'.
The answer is 8 h 47 min 55 s
